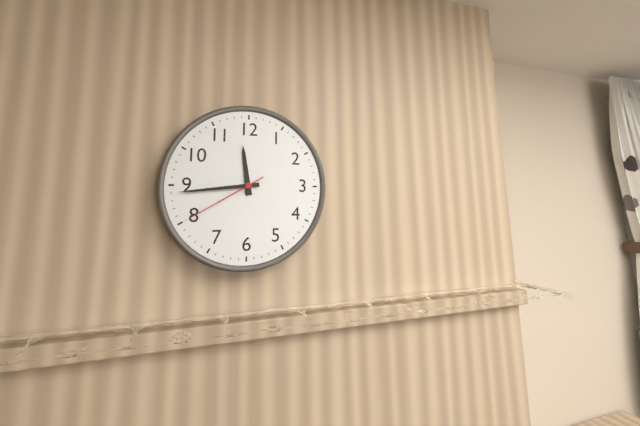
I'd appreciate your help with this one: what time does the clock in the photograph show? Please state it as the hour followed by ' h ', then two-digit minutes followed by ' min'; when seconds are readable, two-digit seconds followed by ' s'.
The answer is 11 h 44 min 40 s
